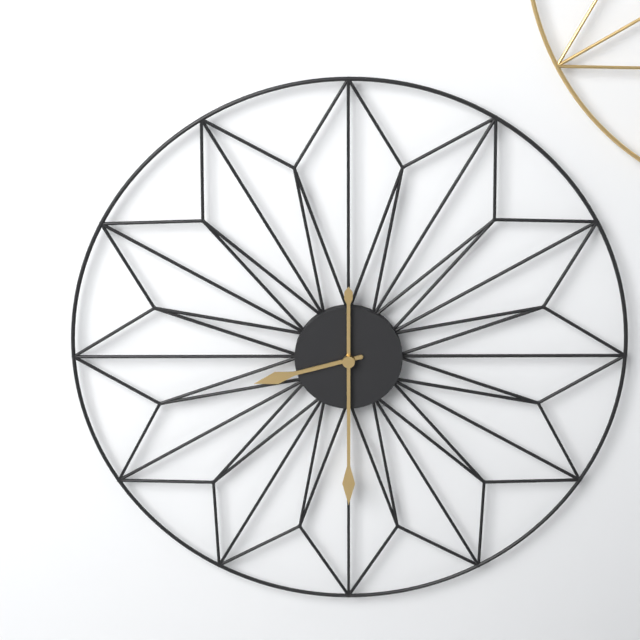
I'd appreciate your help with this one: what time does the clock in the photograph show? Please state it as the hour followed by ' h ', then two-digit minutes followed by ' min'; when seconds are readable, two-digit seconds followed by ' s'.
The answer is 8 h 30 min
